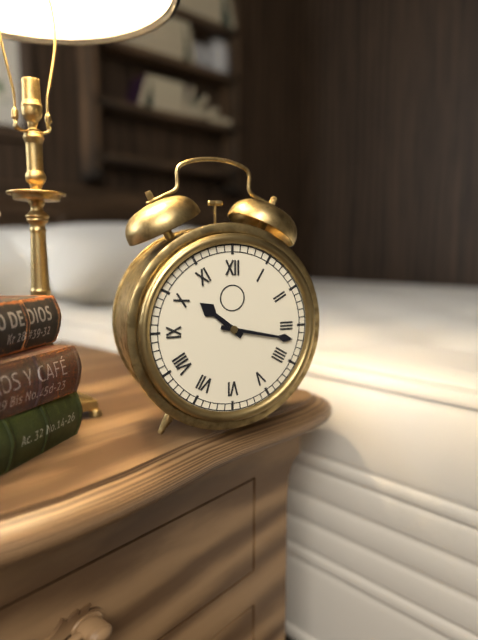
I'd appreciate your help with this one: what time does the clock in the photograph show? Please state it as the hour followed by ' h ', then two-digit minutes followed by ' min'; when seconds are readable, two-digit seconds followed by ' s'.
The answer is 10 h 17 min
